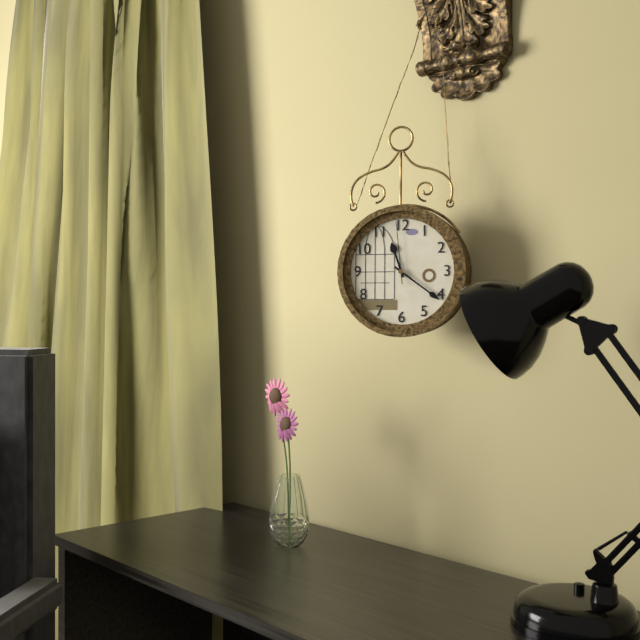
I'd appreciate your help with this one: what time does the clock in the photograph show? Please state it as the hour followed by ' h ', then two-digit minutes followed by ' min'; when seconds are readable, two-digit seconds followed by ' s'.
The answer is 11 h 21 min 59 s
